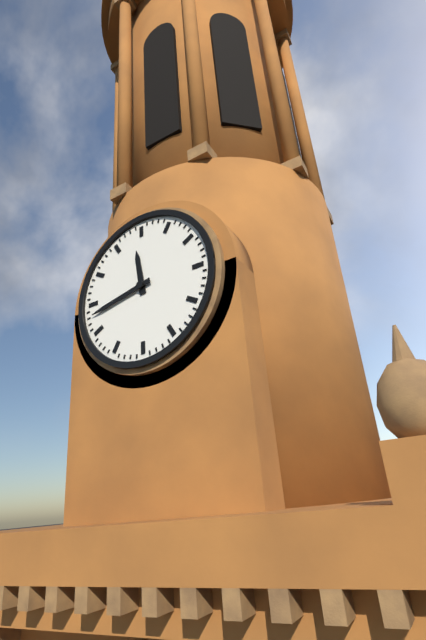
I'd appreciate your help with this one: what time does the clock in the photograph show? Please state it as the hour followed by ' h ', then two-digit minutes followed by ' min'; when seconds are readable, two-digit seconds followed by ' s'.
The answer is 11 h 43 min
